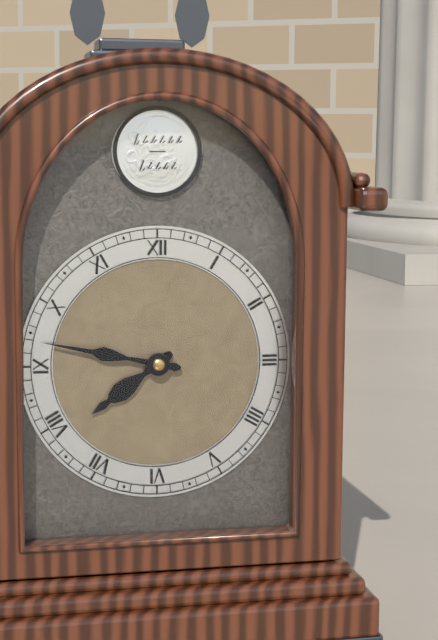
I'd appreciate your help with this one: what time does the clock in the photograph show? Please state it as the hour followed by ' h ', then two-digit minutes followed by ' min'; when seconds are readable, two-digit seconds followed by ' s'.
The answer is 7 h 47 min
